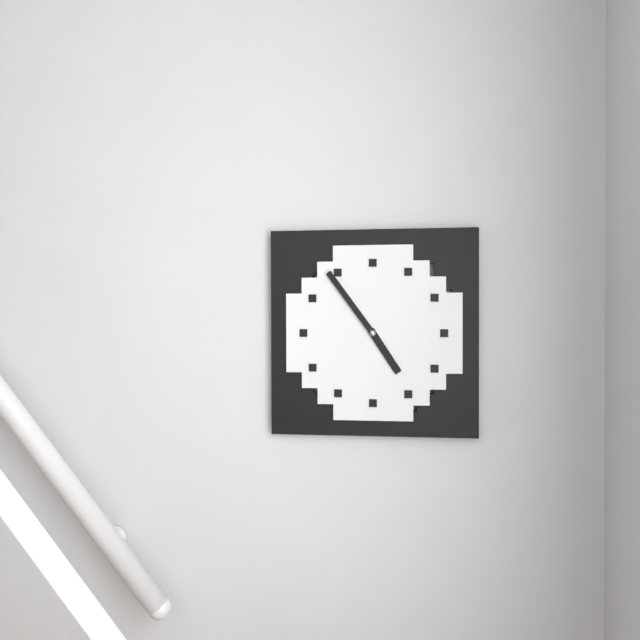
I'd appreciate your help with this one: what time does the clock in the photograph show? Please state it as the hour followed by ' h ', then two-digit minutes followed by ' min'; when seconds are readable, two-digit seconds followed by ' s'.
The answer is 4 h 54 min
